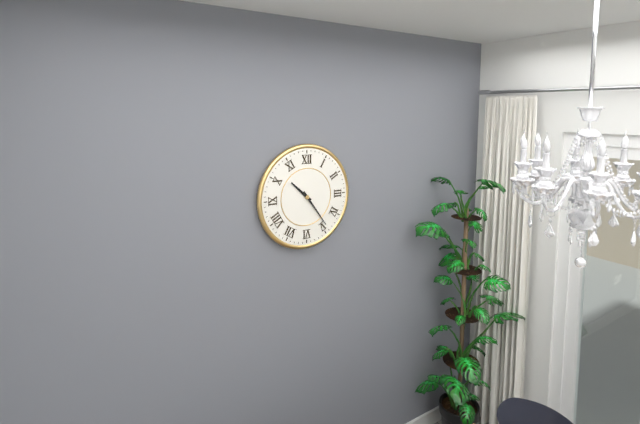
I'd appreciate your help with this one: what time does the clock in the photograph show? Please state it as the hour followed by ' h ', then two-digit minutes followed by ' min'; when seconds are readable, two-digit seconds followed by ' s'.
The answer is 10 h 24 min
